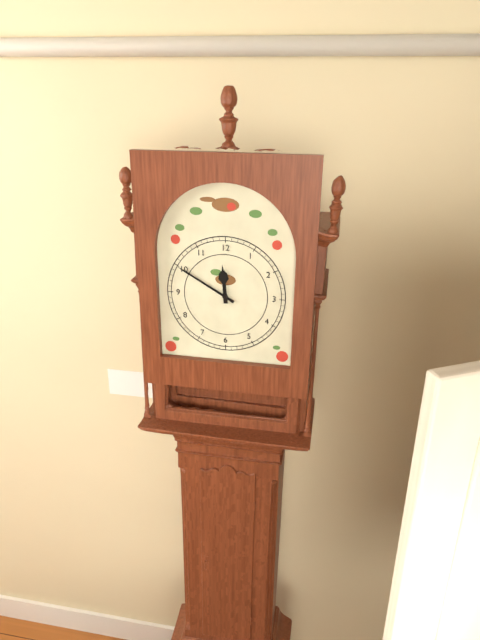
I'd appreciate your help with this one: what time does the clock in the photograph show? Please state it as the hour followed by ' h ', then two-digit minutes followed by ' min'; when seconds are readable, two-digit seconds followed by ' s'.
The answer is 11 h 50 min
